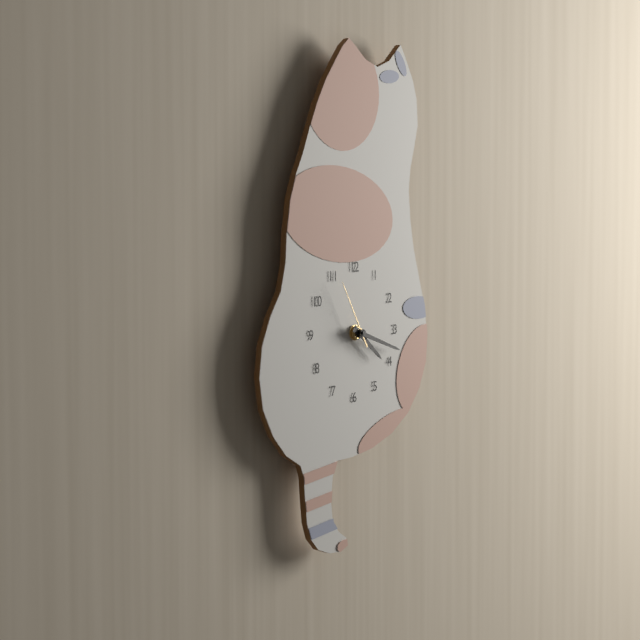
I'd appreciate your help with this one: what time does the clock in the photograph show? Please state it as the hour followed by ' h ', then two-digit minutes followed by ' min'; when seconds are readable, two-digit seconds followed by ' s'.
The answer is 4 h 18 min 55 s
